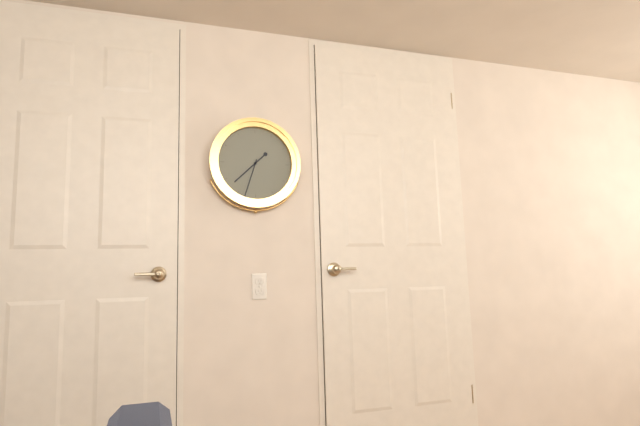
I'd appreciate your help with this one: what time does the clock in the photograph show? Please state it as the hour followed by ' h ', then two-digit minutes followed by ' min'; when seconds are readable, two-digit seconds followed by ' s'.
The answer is 7 h 33 min
